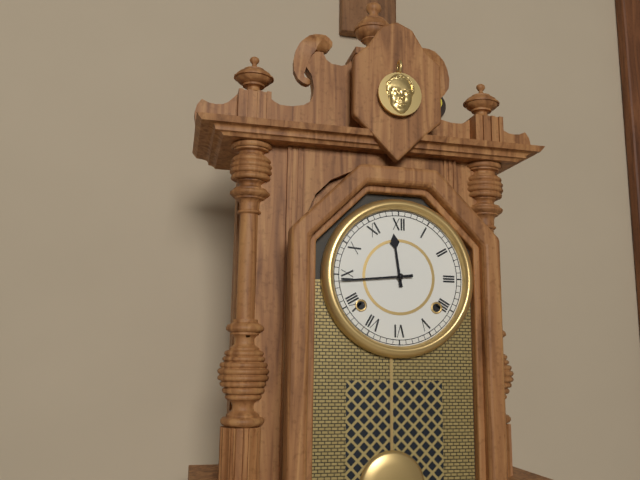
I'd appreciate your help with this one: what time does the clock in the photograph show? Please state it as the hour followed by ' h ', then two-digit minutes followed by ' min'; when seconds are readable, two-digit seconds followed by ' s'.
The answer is 11 h 44 min
